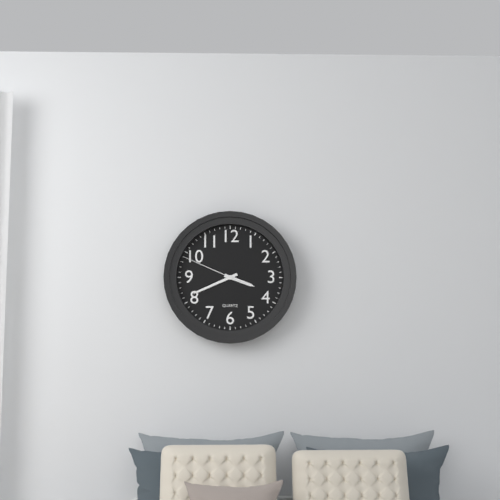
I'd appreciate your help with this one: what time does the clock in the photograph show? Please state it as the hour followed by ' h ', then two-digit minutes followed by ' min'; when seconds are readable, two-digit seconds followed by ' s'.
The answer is 3 h 41 min 49 s
